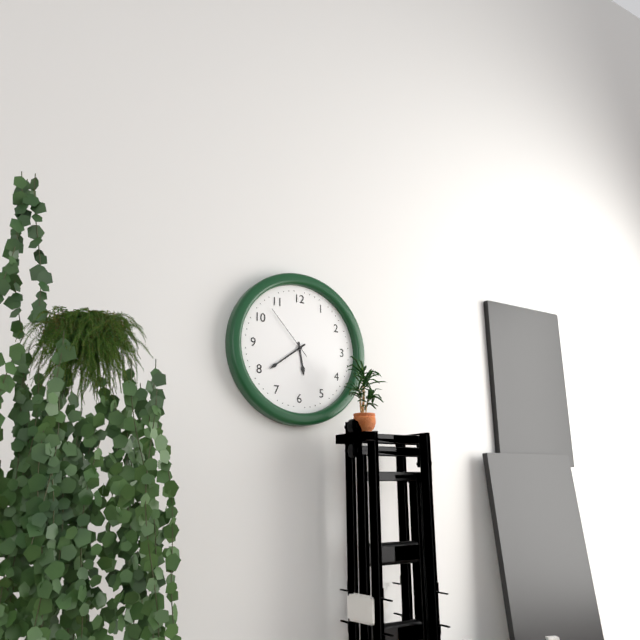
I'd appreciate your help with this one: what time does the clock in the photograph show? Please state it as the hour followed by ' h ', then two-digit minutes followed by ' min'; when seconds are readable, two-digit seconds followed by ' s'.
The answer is 5 h 39 min 53 s
